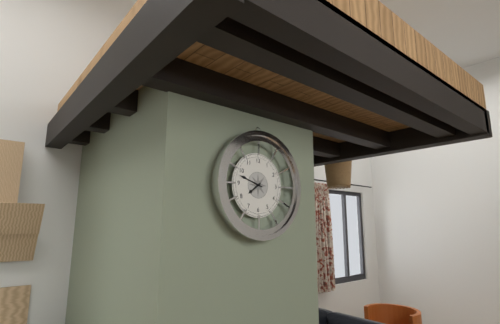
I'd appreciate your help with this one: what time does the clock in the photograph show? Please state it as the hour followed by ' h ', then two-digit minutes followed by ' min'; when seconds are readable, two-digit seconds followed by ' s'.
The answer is 7 h 48 min
